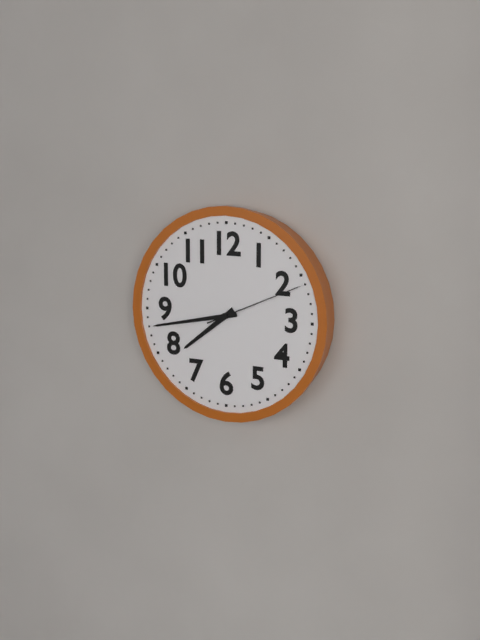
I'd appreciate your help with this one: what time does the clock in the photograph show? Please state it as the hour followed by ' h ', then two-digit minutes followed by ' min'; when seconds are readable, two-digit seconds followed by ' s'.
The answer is 7 h 43 min 11 s
